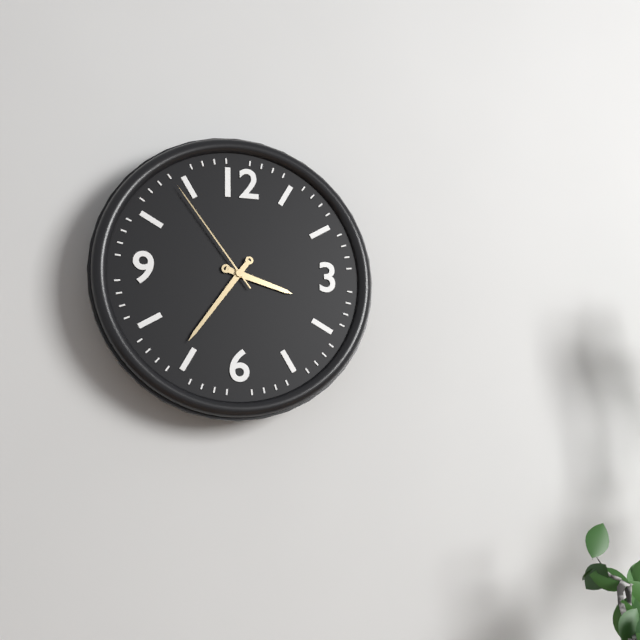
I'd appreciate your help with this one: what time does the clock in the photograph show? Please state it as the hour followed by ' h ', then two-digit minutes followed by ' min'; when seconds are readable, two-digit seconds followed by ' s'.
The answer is 3 h 36 min 54 s
